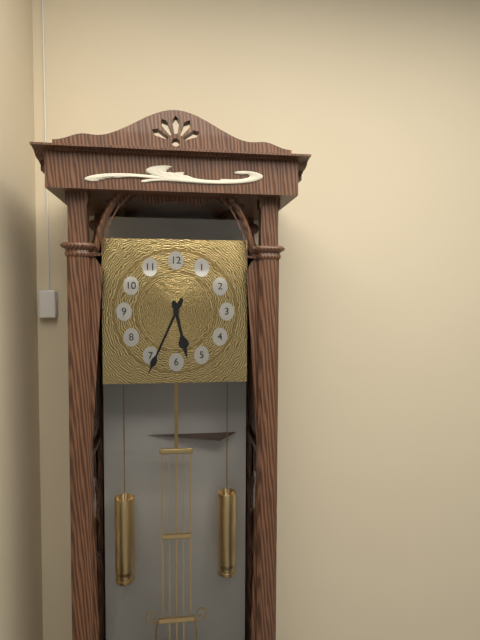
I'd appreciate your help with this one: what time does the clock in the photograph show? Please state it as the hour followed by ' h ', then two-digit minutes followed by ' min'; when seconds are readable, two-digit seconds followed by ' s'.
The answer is 5 h 34 min
